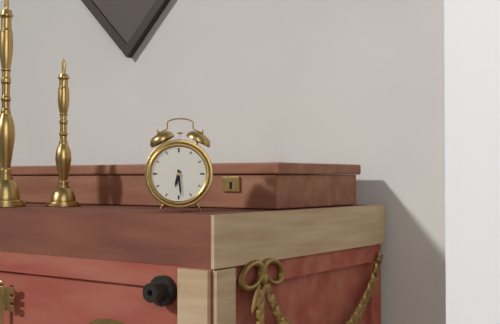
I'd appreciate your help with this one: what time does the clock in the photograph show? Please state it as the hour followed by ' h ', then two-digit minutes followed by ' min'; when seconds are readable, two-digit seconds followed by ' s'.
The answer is 6 h 29 min
